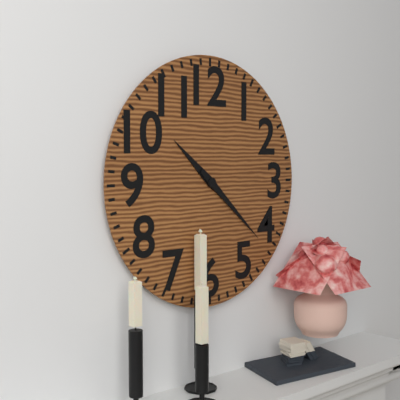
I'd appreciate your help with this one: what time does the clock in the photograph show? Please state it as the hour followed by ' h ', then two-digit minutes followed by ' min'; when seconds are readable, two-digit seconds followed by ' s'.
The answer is 10 h 22 min
